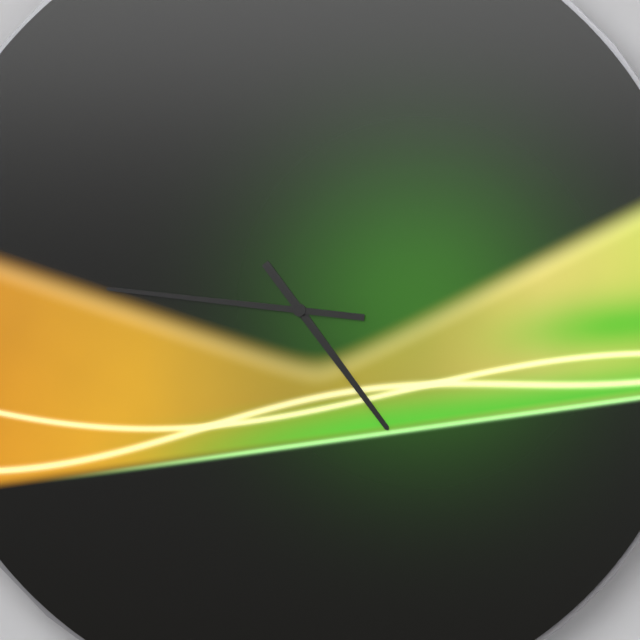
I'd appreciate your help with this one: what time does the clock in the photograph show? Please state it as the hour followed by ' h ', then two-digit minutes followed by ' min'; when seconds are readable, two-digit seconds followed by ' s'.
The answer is 4 h 46 min
